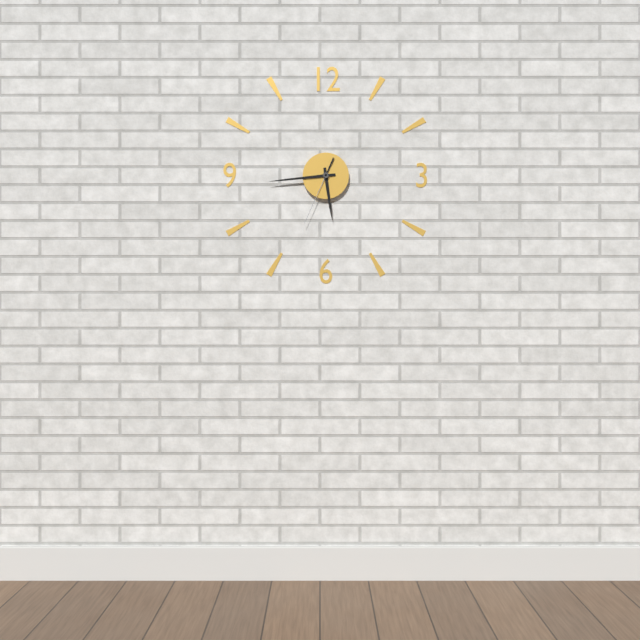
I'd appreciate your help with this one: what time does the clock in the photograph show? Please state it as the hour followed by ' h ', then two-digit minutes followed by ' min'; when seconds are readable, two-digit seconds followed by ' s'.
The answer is 5 h 44 min 34 s
